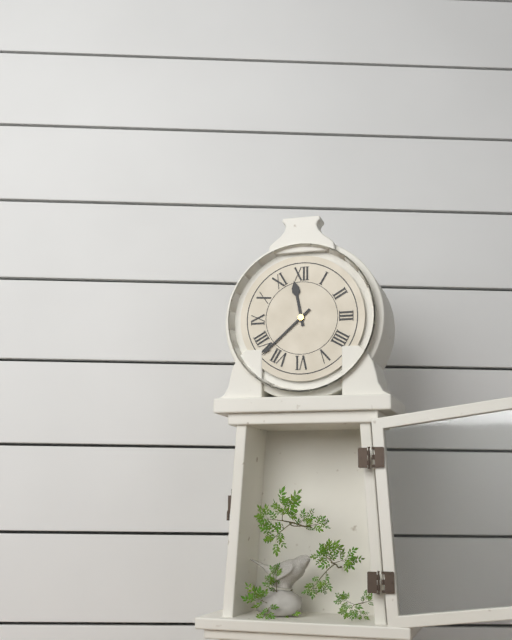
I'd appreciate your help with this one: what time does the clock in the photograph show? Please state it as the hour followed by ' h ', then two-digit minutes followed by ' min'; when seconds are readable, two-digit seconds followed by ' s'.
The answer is 11 h 38 min
